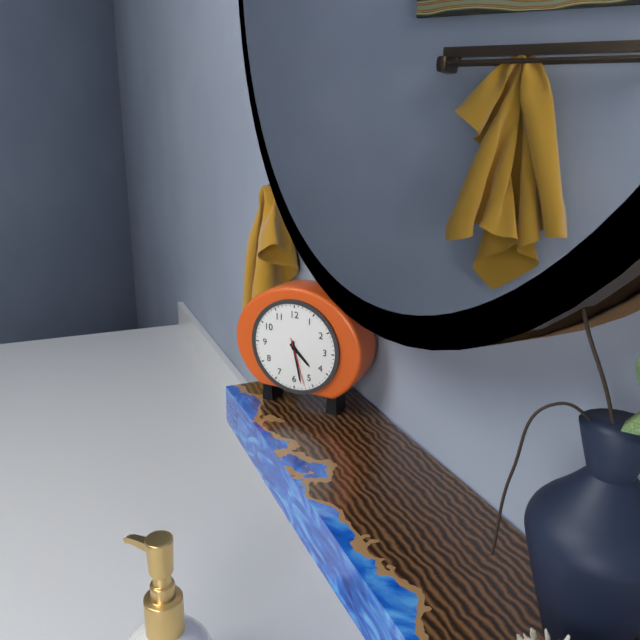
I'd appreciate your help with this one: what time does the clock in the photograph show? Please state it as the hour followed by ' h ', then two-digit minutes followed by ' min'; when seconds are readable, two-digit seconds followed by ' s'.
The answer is 4 h 28 min 27 s
